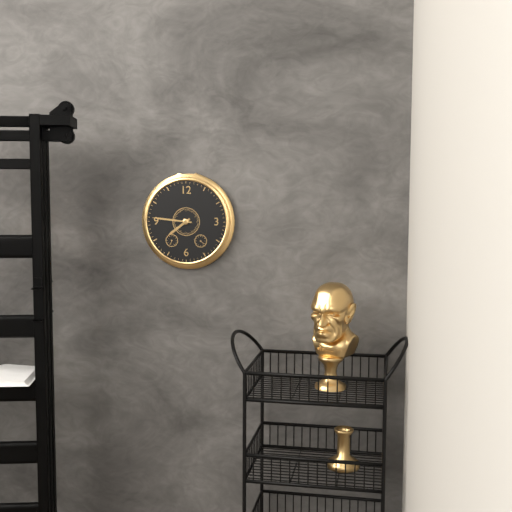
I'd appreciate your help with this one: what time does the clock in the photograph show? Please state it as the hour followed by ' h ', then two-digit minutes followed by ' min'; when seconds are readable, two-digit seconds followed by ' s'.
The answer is 7 h 46 min
